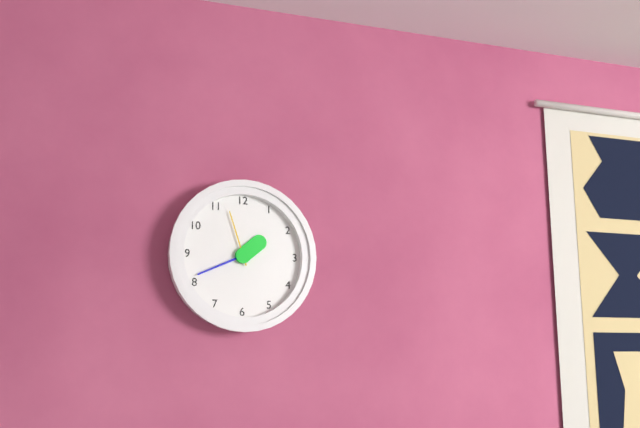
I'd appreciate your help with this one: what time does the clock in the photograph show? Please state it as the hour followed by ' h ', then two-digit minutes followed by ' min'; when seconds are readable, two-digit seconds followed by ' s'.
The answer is 1 h 41 min 57 s
